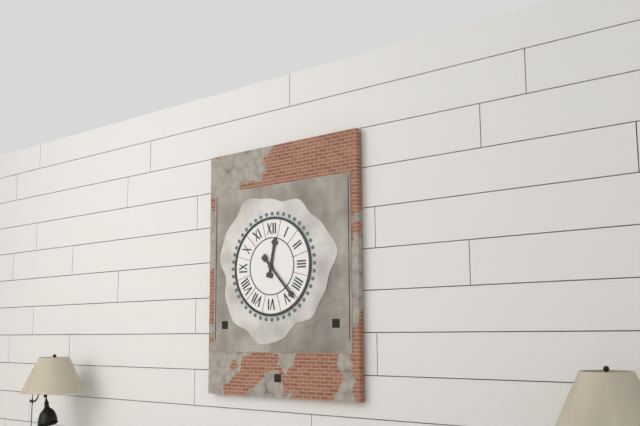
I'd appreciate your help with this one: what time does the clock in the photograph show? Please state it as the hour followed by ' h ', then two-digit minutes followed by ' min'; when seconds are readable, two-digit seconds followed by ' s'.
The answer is 12 h 23 min
